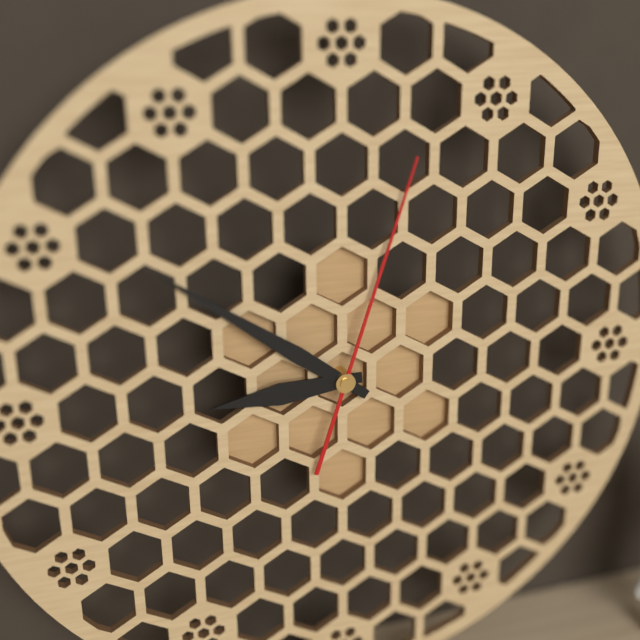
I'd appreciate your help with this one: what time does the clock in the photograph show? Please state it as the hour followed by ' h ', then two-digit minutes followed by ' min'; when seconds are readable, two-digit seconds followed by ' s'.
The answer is 8 h 51 min 03 s
